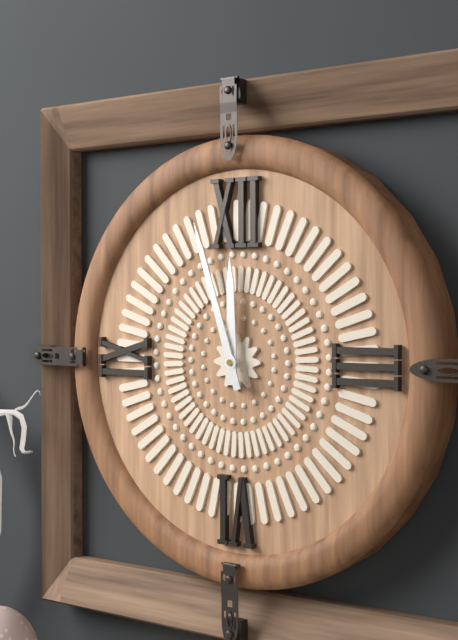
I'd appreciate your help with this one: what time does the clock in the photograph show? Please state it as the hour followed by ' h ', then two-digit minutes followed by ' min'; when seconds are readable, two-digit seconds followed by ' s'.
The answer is 11 h 57 min
